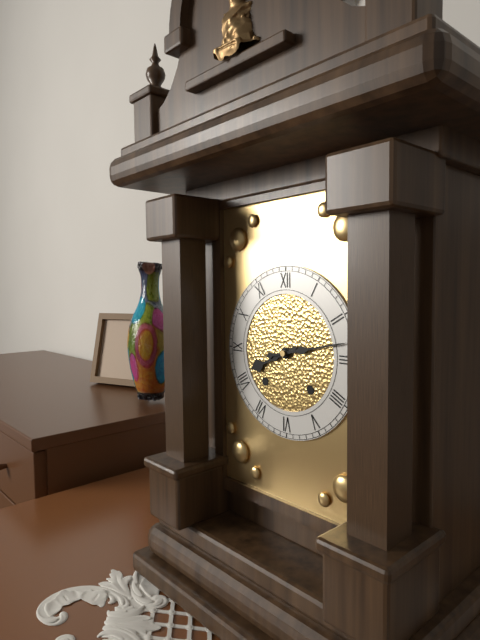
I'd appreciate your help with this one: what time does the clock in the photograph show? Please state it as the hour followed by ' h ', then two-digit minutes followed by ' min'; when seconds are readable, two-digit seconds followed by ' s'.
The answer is 8 h 13 min
